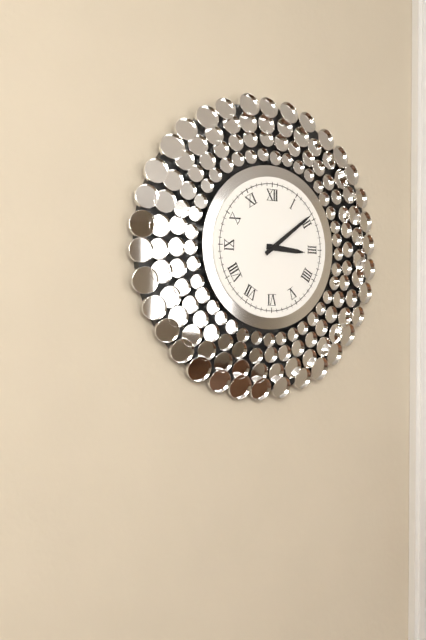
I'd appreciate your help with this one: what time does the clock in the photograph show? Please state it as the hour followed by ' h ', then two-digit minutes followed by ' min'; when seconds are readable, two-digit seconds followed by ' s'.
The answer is 3 h 09 min
